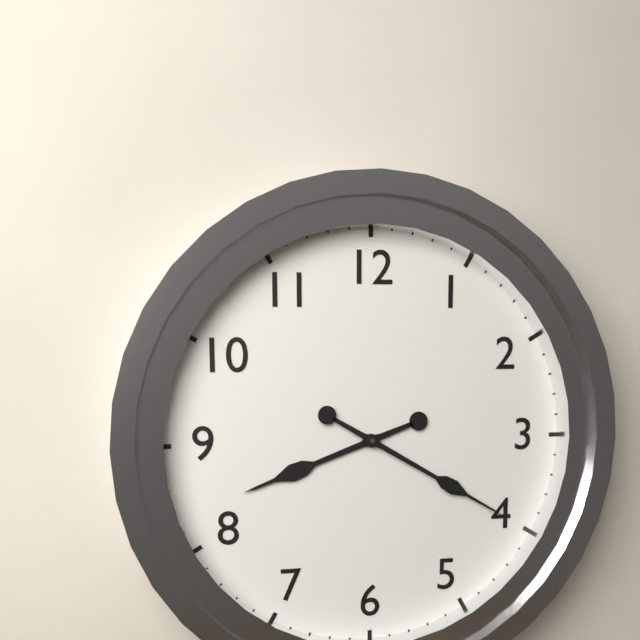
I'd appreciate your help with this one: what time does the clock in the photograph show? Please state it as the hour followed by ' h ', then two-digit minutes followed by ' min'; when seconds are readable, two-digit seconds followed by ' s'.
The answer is 8 h 20 min
